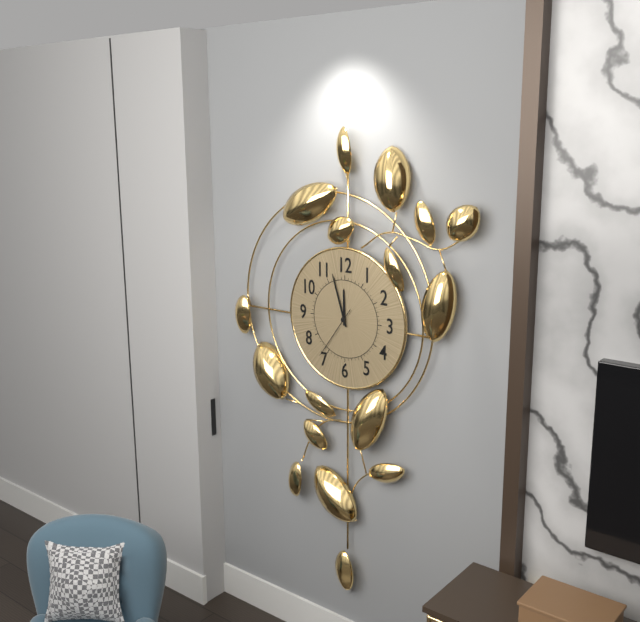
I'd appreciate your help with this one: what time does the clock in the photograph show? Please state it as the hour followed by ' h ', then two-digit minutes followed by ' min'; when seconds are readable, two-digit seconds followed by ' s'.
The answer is 11 h 57 min 36 s
